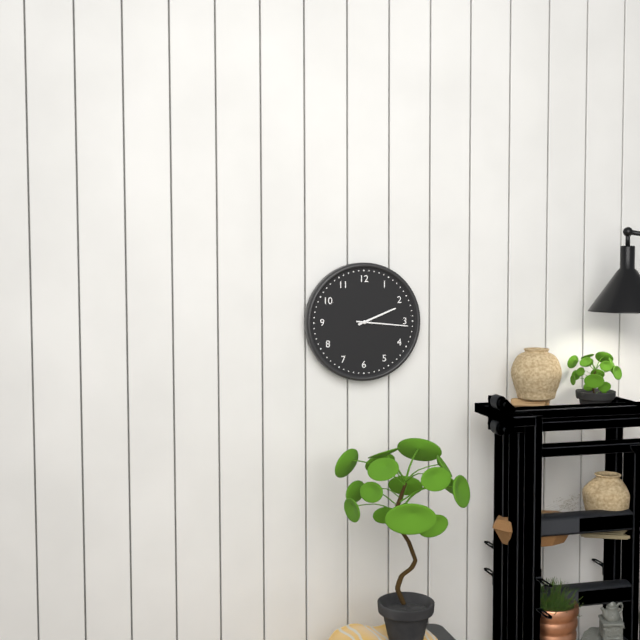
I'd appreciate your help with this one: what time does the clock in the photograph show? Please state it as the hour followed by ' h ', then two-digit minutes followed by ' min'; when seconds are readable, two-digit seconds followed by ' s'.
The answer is 2 h 16 min
